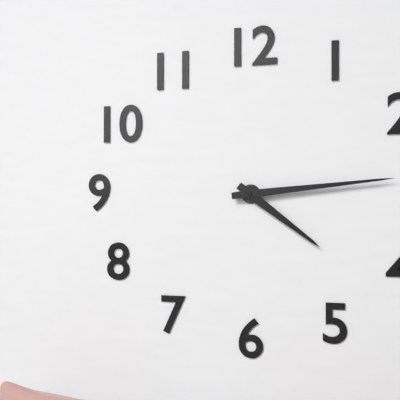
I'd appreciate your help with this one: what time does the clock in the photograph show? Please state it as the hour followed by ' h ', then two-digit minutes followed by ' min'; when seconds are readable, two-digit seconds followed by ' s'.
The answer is 4 h 14 min
